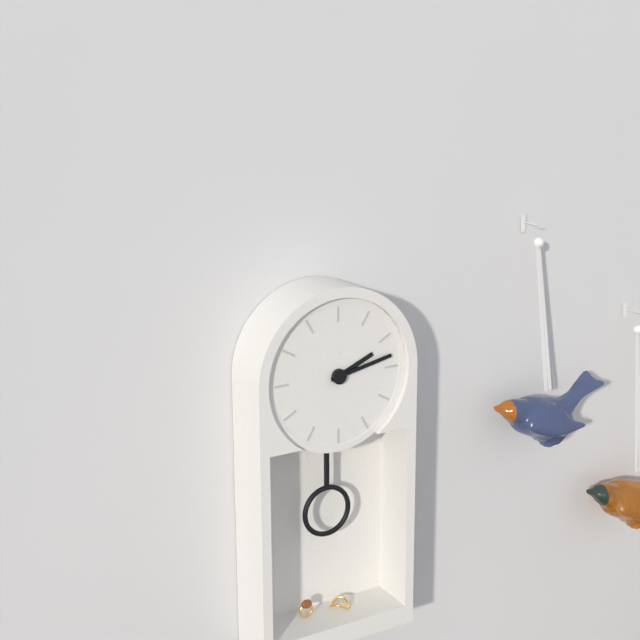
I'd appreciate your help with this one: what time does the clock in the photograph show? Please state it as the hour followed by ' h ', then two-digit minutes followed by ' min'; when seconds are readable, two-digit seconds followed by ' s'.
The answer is 2 h 13 min
